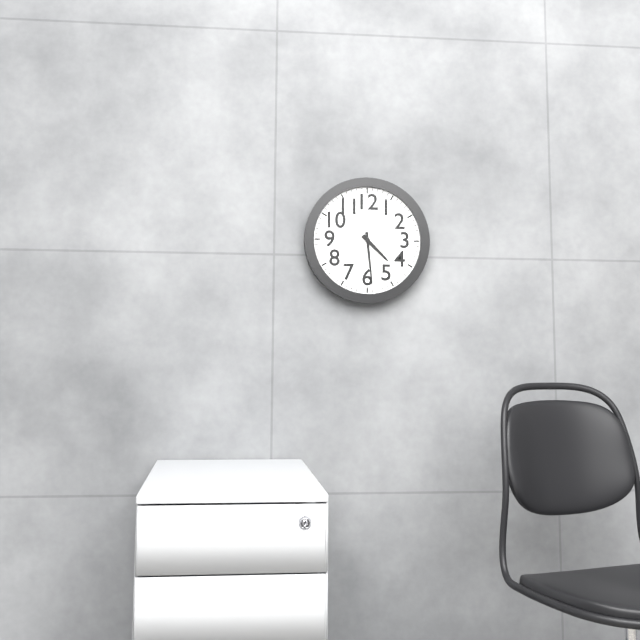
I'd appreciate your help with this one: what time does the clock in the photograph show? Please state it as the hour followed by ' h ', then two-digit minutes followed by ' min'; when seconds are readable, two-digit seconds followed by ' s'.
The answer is 4 h 29 min
